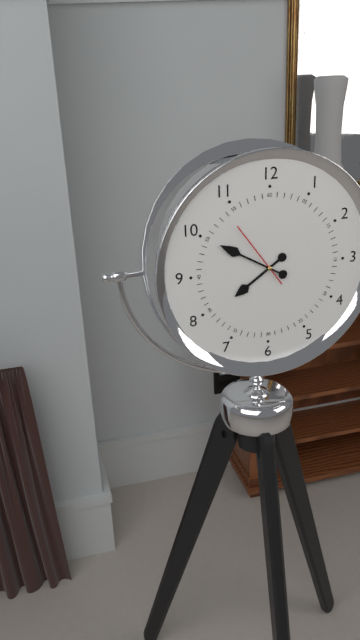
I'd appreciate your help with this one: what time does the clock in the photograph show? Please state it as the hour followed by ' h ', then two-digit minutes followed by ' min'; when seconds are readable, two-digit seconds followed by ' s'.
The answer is 7 h 50 min 54 s
